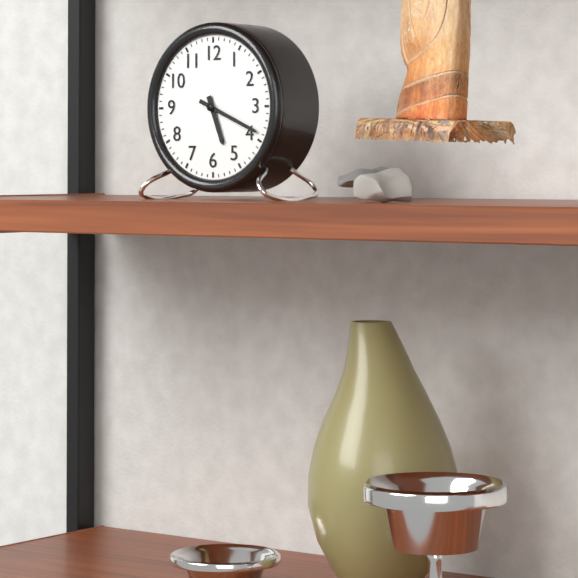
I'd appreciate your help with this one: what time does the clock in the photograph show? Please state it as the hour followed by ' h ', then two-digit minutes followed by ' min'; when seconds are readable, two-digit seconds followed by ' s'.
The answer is 5 h 19 min
